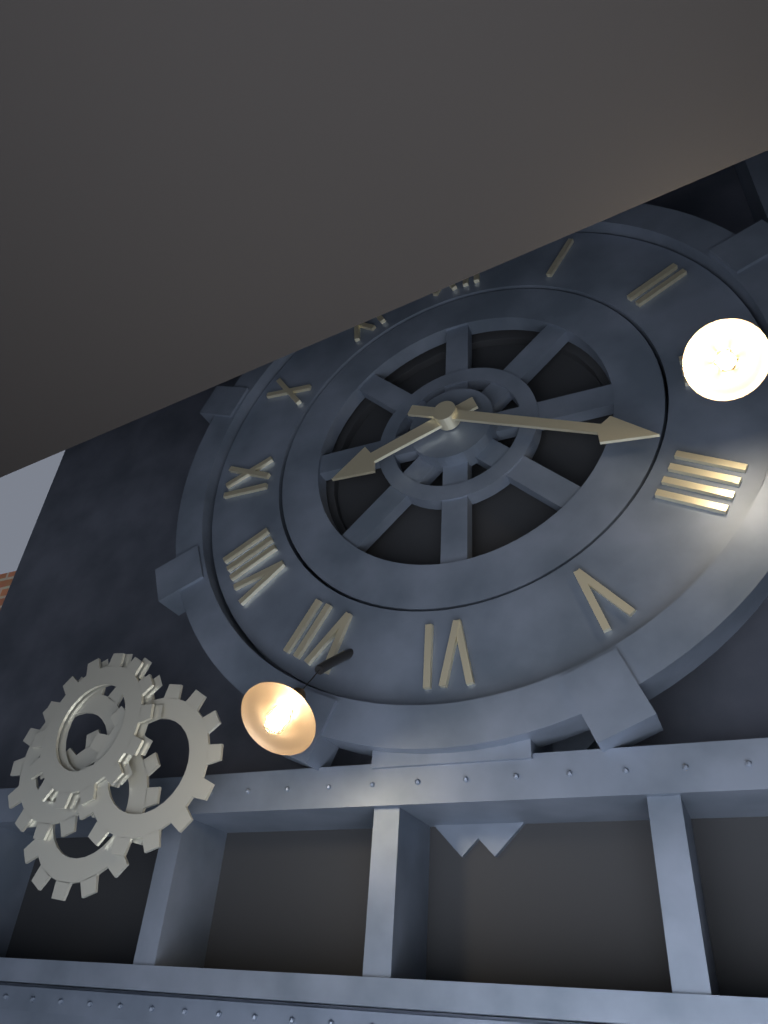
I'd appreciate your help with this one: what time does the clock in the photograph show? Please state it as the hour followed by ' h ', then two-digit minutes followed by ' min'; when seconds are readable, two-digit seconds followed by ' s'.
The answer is 8 h 19 min
